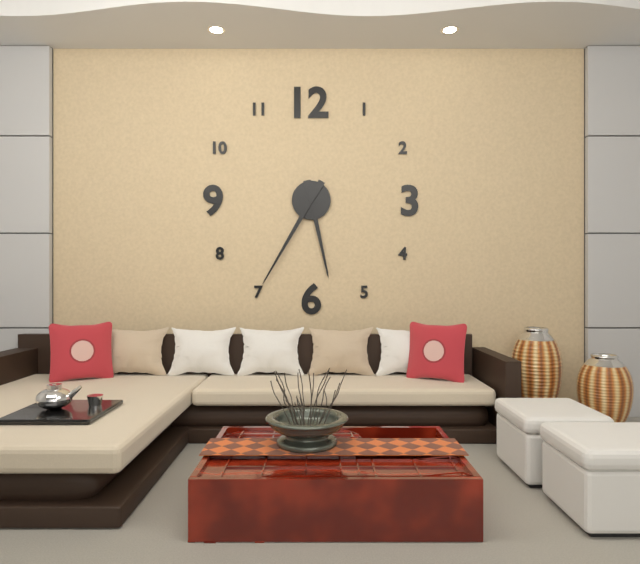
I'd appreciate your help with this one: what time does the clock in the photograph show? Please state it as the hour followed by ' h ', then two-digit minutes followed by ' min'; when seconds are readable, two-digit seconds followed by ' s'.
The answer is 5 h 35 min
